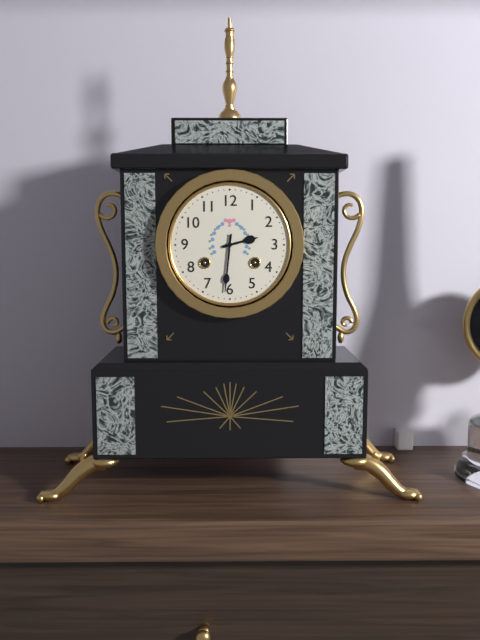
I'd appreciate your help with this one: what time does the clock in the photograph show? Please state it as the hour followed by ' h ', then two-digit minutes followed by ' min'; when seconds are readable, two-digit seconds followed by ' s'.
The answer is 2 h 31 min
